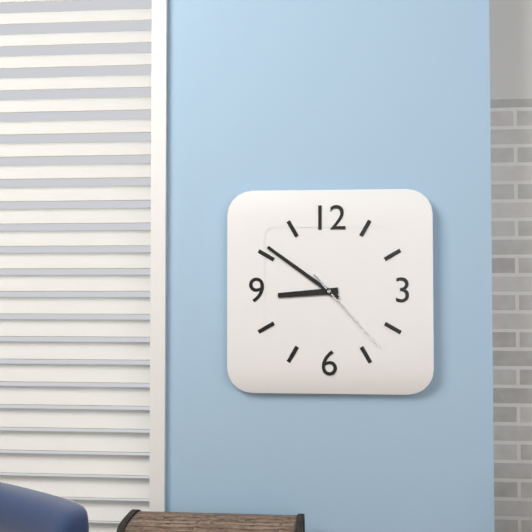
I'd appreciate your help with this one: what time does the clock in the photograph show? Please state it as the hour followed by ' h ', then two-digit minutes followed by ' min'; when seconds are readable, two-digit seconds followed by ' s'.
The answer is 8 h 51 min 23 s
